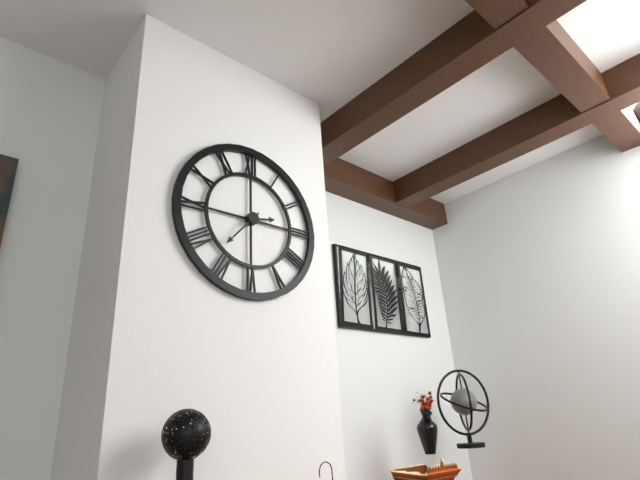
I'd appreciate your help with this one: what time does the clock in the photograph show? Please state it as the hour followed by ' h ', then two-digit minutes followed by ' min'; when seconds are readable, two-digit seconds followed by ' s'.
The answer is 2 h 37 min
